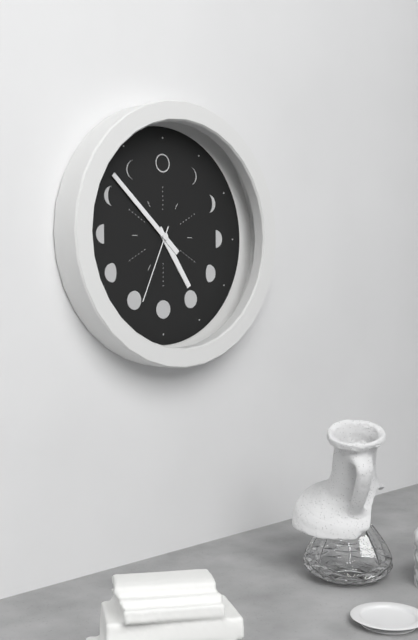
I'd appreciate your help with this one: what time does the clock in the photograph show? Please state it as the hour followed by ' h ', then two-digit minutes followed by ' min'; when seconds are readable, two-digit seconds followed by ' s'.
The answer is 4 h 52 min 34 s
